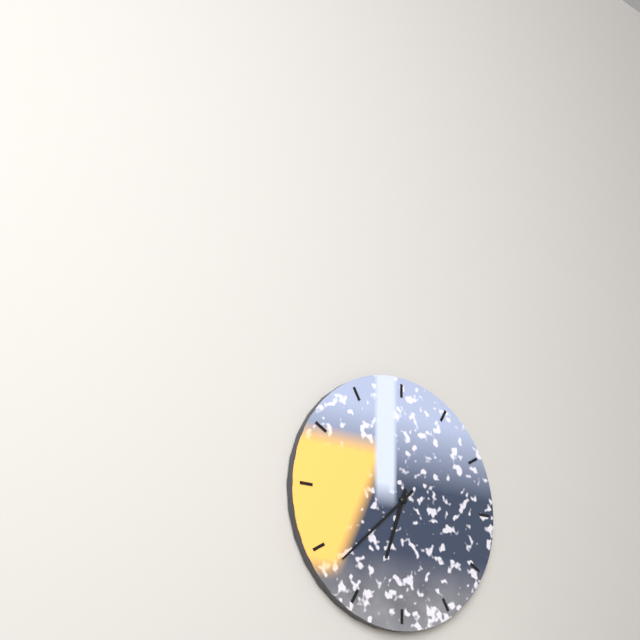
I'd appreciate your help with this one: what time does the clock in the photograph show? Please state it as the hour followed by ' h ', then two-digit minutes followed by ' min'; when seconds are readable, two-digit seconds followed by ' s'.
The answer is 6 h 38 min
